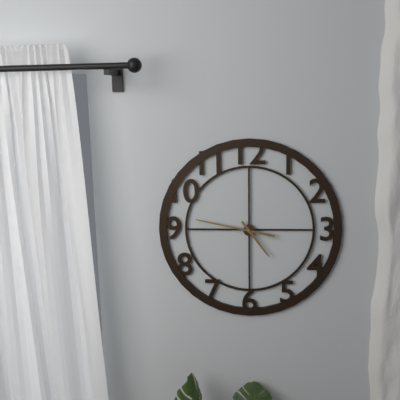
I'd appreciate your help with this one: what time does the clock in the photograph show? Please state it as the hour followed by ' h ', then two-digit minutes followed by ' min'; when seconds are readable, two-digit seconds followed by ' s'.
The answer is 4 h 47 min
